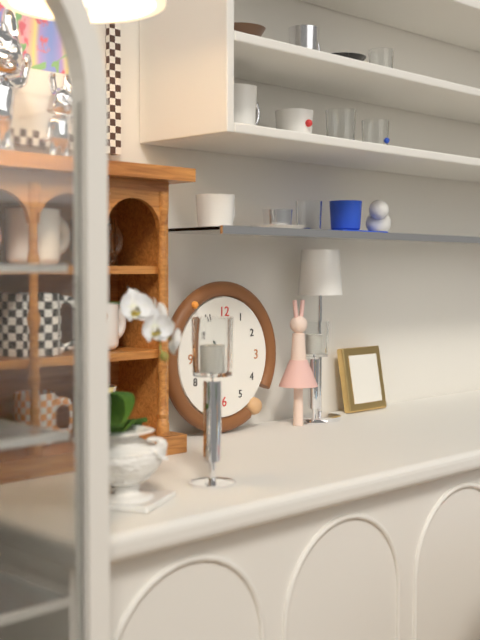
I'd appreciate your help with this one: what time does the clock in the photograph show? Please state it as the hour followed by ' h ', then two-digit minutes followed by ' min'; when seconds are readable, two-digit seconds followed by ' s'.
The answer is 10 h 41 min
